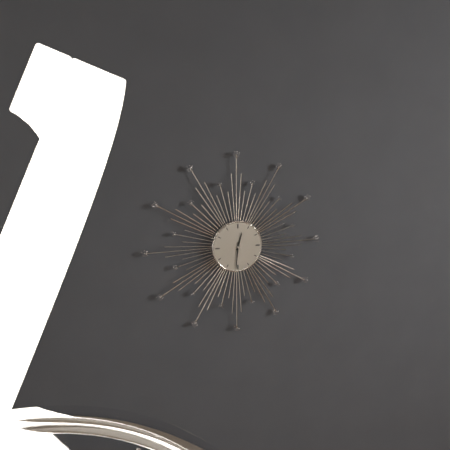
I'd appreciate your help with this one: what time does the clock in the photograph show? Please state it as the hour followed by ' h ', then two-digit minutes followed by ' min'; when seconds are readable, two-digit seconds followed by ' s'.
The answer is 12 h 31 min
